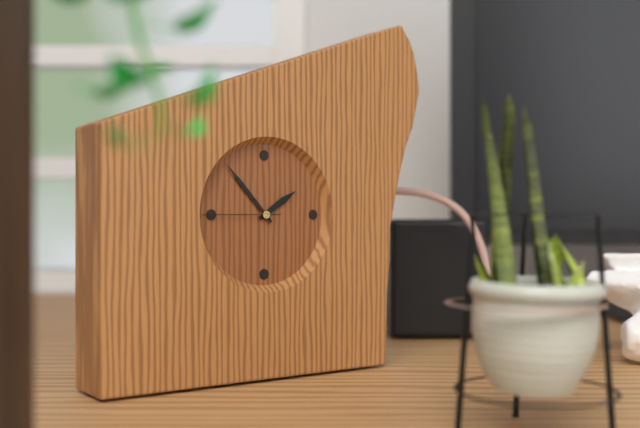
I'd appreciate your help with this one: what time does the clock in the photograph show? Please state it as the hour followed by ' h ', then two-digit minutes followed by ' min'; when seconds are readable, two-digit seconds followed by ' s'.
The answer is 1 h 53 min 45 s
